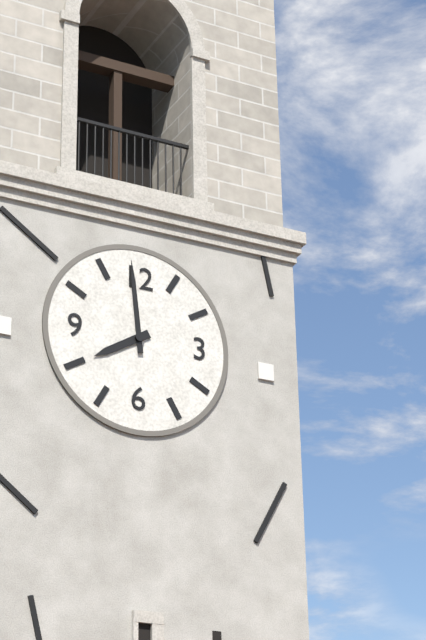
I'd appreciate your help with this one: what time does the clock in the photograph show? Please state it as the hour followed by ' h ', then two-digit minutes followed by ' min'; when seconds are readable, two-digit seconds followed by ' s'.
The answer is 7 h 59 min
